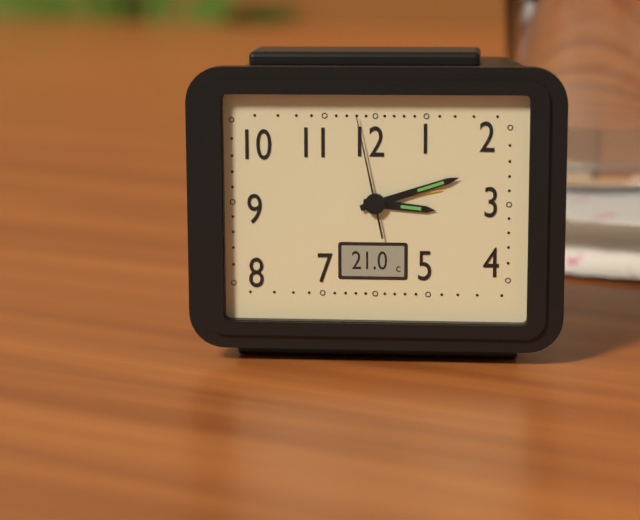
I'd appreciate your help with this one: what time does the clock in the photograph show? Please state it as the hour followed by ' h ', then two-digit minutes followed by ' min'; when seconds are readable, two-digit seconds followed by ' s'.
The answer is 3 h 12 min 58 s
